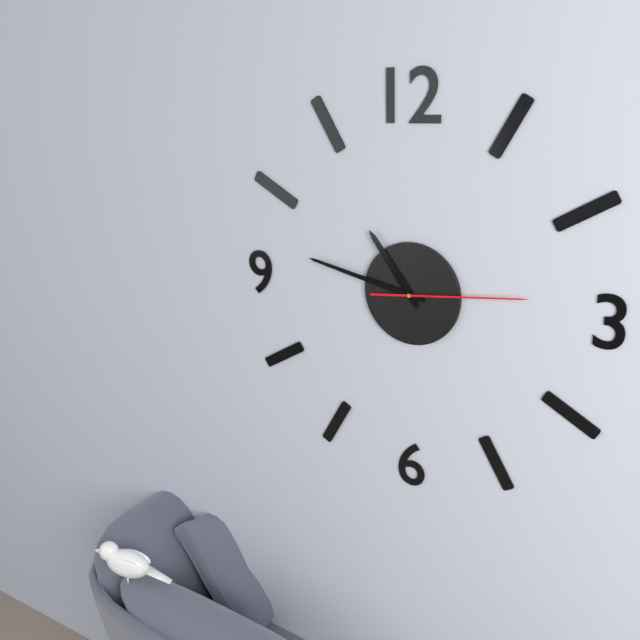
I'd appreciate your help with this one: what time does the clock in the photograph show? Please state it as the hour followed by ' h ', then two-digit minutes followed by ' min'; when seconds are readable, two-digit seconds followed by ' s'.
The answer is 10 h 47 min 14 s
